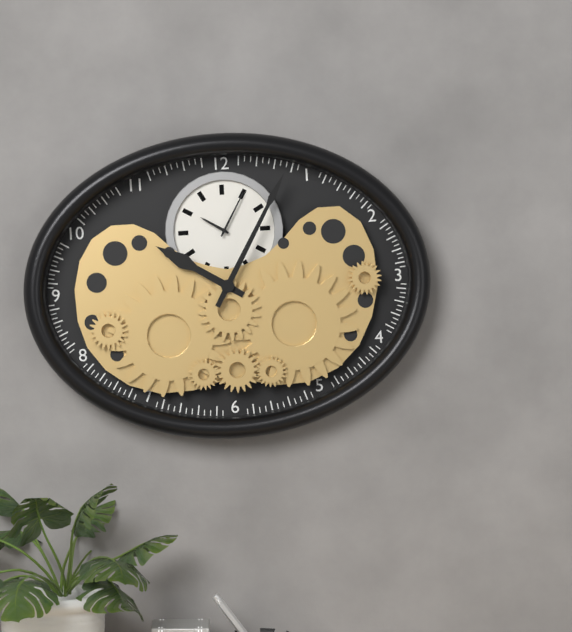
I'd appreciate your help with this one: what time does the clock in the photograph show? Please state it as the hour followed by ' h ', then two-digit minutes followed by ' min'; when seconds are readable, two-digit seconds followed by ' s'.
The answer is 10 h 05 min
